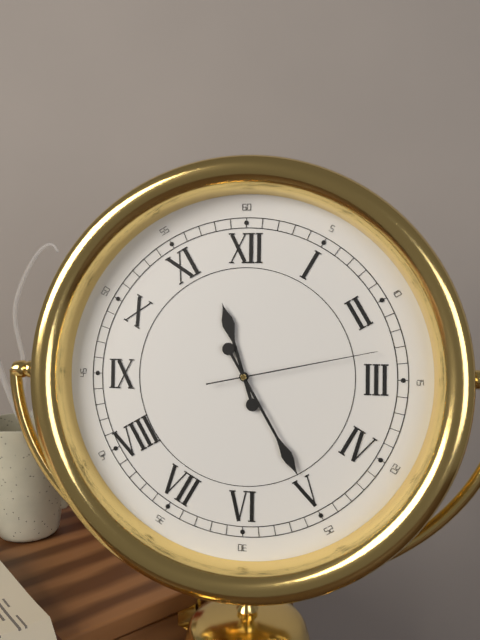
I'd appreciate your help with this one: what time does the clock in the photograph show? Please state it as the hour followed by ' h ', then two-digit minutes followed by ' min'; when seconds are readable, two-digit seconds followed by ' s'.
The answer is 11 h 25 min 13 s
